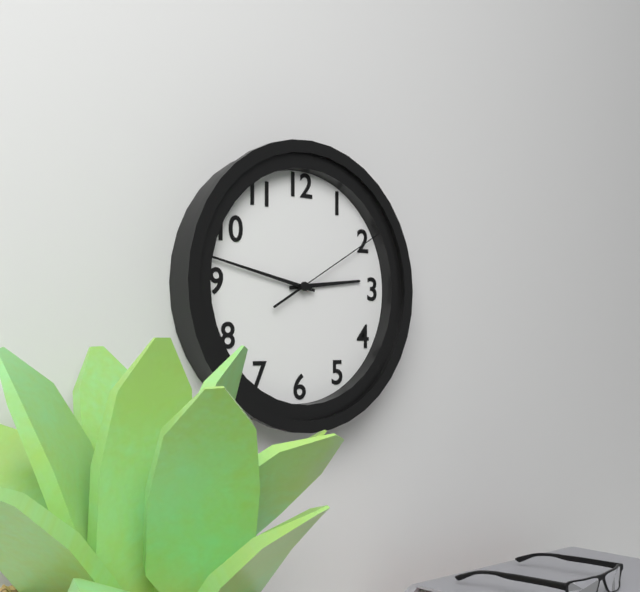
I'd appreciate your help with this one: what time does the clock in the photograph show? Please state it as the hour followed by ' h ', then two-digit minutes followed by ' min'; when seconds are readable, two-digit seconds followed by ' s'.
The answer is 2 h 47 min 10 s
